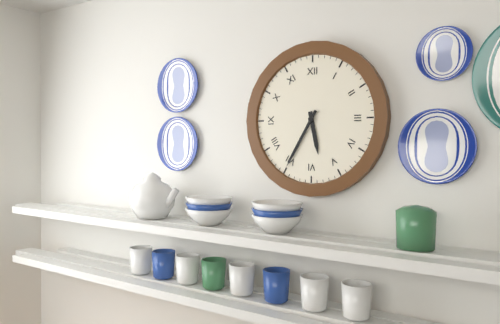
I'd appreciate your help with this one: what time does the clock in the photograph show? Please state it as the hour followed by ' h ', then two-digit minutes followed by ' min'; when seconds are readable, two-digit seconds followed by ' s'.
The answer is 5 h 35 min
